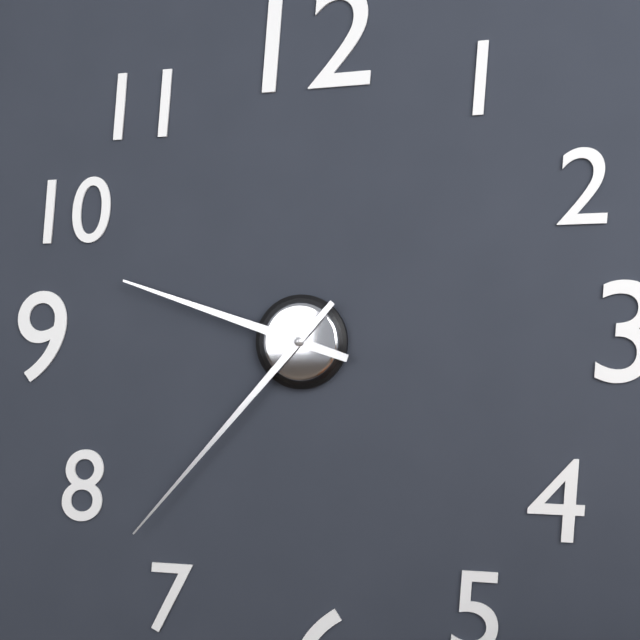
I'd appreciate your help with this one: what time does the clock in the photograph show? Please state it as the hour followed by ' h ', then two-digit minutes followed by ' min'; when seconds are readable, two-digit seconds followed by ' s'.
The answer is 9 h 37 min
